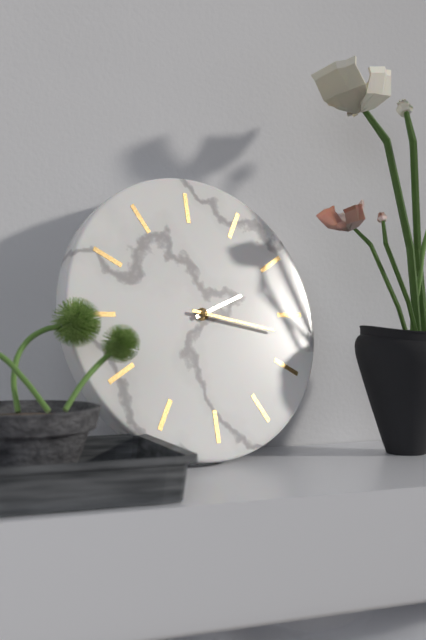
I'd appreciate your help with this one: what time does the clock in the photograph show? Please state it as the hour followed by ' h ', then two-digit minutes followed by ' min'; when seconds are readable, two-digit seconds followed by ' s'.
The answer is 2 h 17 min
